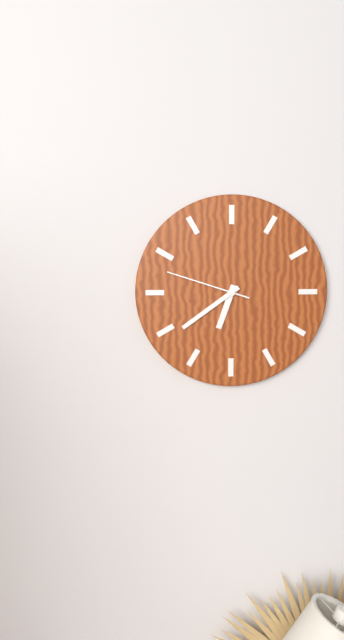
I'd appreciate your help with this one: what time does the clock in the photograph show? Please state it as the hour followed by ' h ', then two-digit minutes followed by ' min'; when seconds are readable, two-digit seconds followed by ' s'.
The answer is 6 h 39 min 48 s
